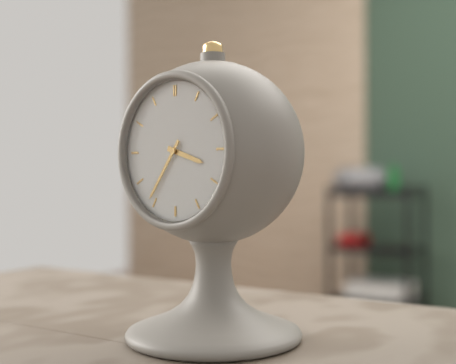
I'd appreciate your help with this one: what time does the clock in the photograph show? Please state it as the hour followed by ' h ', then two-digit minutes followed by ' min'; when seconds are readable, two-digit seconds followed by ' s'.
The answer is 3 h 36 min
